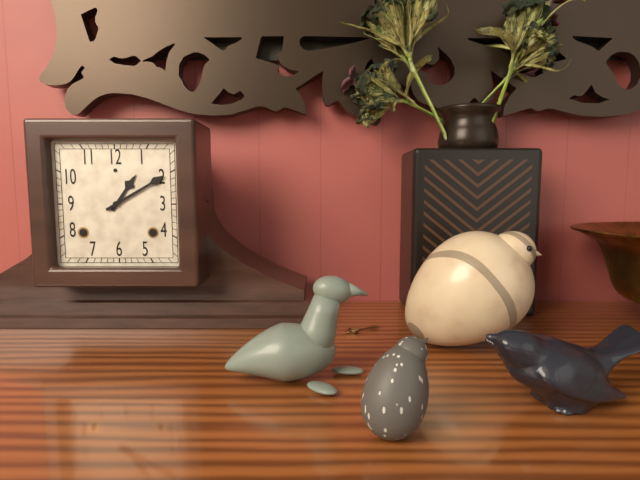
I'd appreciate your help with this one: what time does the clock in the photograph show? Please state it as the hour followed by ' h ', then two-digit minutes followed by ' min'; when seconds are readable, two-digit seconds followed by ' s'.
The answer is 1 h 10 min
